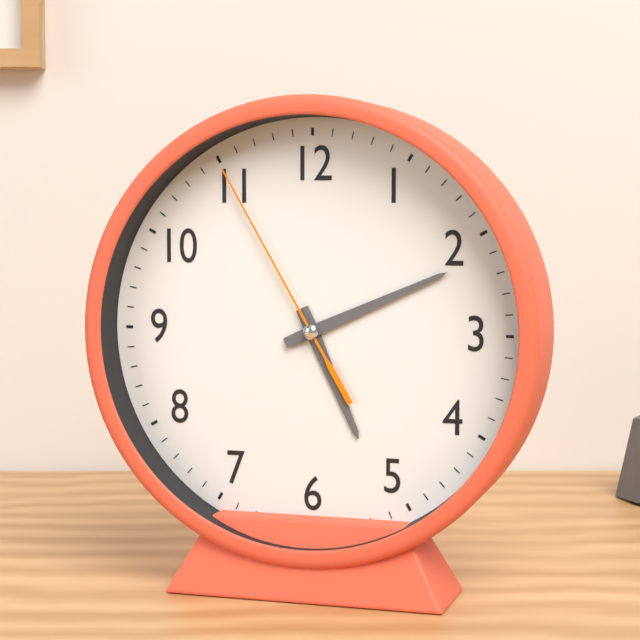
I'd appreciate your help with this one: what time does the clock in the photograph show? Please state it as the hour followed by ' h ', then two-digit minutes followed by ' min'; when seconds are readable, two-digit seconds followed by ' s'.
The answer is 5 h 11 min 55 s
